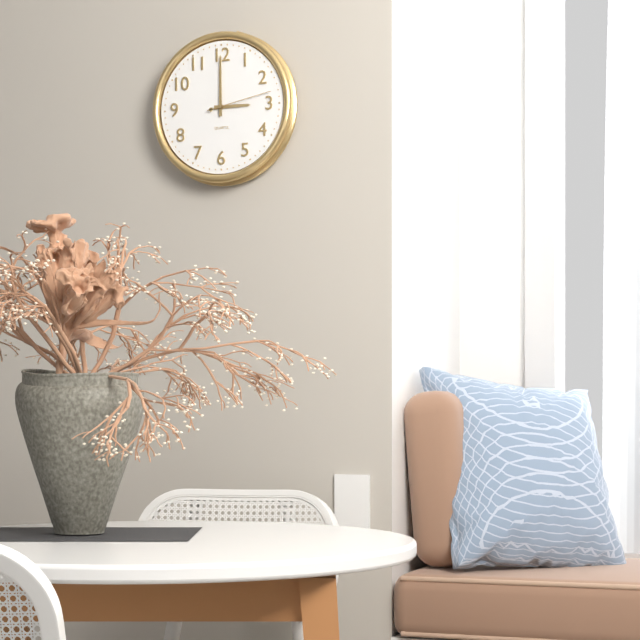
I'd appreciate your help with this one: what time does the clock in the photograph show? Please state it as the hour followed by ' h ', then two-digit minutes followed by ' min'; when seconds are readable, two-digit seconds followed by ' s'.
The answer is 3 h 00 min 13 s
